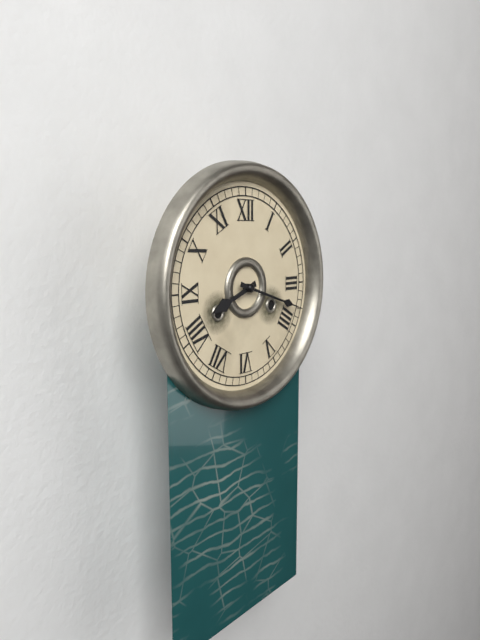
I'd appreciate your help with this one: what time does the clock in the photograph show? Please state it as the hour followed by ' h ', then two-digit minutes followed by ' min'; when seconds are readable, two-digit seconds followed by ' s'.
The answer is 8 h 18 min
